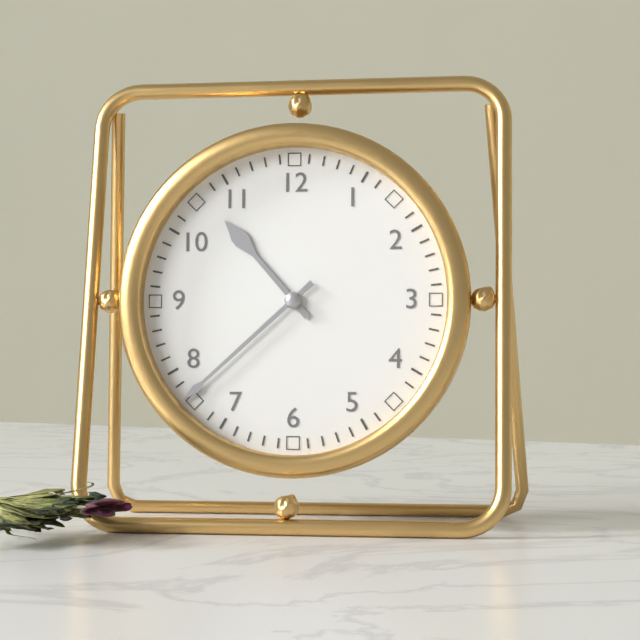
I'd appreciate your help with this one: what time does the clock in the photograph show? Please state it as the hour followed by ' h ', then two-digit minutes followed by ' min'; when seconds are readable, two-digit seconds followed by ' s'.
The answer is 10 h 38 min
